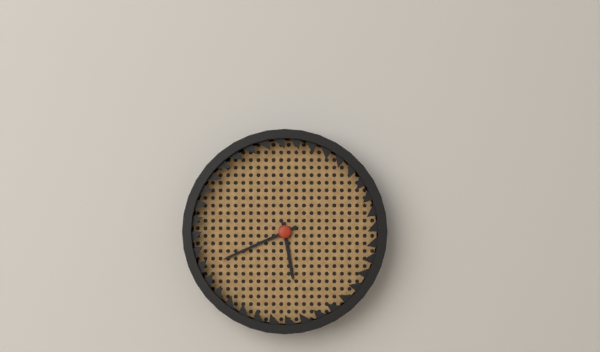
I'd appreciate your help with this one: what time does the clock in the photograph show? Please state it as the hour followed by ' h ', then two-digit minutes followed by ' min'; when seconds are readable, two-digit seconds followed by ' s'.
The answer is 5 h 41 min
